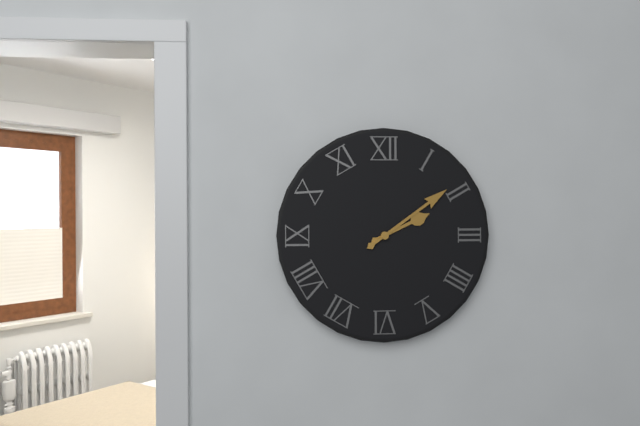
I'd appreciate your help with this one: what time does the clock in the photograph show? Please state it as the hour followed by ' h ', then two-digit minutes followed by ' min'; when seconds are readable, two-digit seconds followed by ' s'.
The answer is 2 h 09 min
